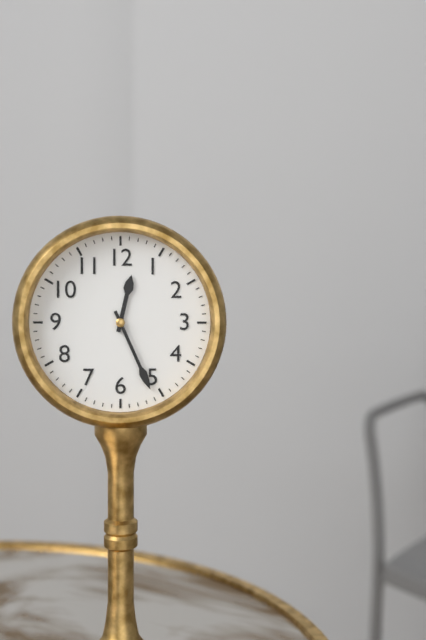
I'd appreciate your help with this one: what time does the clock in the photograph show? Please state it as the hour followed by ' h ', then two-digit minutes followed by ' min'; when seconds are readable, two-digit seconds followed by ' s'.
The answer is 12 h 26 min
